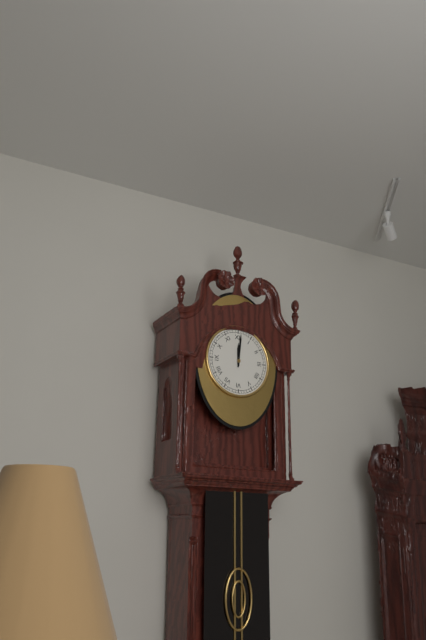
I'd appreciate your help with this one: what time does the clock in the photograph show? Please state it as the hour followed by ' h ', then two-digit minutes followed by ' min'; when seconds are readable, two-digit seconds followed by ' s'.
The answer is 12 h 01 min
